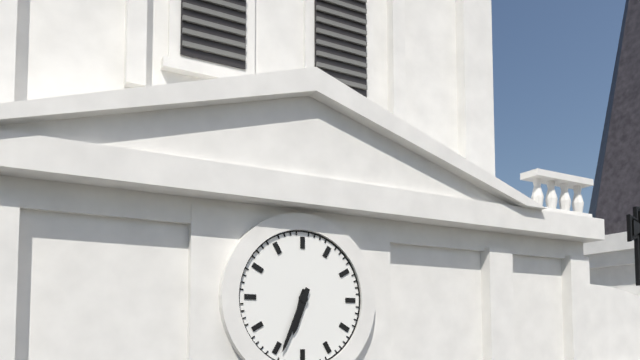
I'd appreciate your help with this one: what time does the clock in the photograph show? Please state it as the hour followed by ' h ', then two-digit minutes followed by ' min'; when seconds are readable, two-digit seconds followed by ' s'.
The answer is 6 h 34 min
